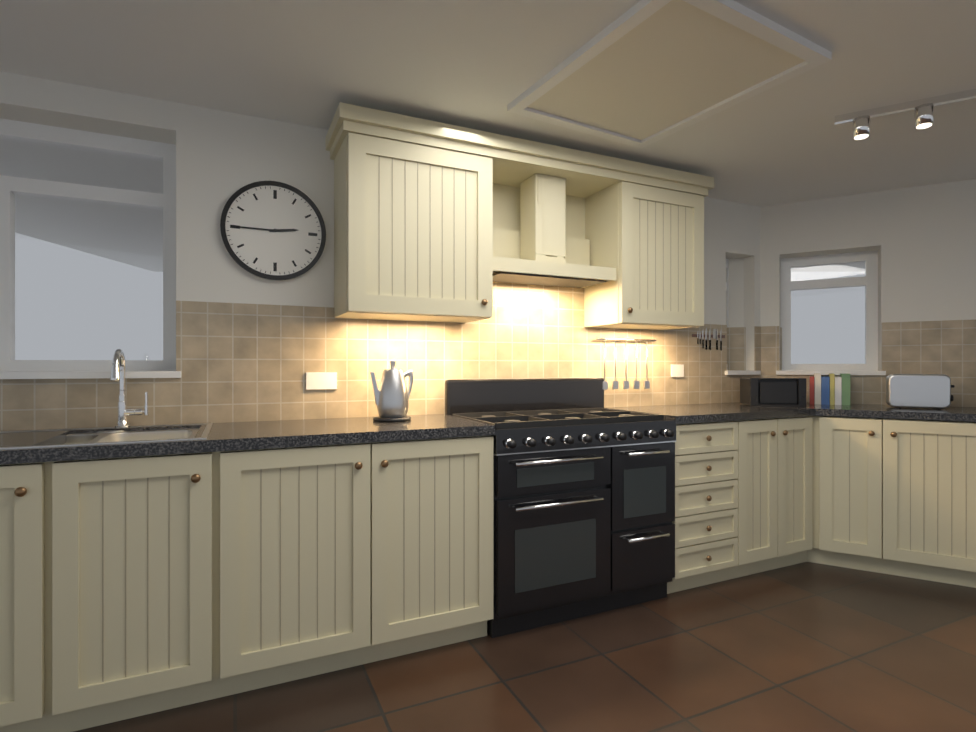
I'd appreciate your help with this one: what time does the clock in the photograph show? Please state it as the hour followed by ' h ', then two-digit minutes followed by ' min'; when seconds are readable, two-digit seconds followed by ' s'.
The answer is 2 h 45 min
